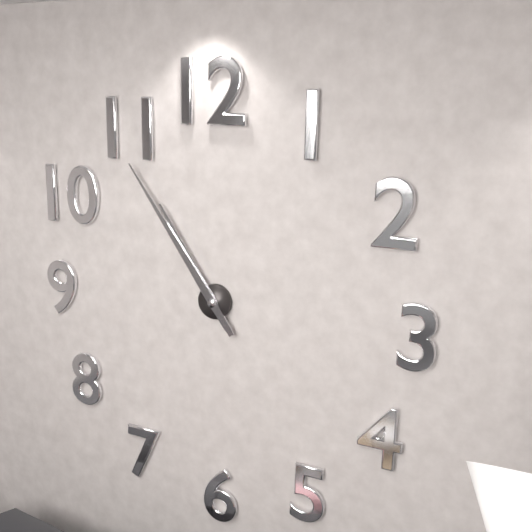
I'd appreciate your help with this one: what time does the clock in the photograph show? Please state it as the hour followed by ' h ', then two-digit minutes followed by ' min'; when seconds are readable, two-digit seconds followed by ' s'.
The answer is 10 h 54 min
